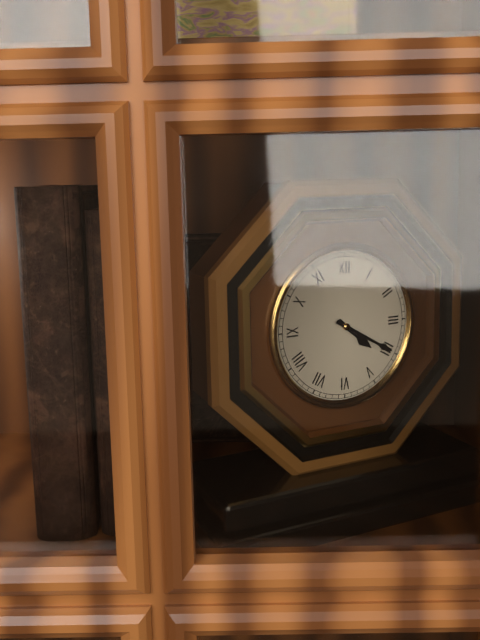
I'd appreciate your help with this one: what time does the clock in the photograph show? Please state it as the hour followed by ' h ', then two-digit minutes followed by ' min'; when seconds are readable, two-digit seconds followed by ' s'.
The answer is 4 h 20 min
